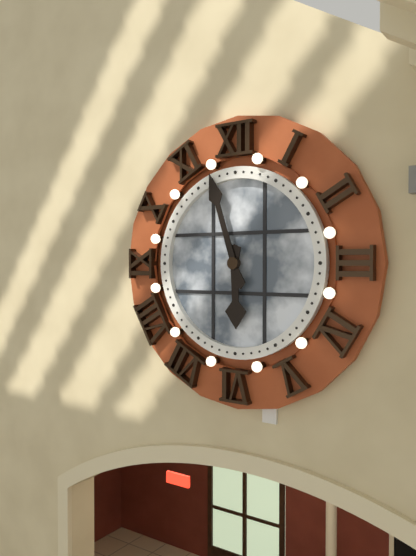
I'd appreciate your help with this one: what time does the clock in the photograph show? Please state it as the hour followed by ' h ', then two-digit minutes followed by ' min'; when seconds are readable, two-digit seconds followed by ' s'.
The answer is 5 h 57 min
